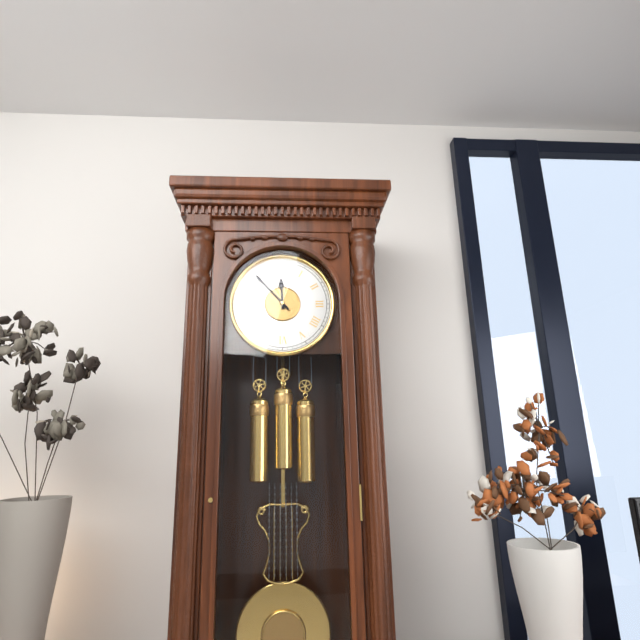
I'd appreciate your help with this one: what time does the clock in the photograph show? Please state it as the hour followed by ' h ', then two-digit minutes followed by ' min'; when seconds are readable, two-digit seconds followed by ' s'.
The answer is 11 h 53 min
